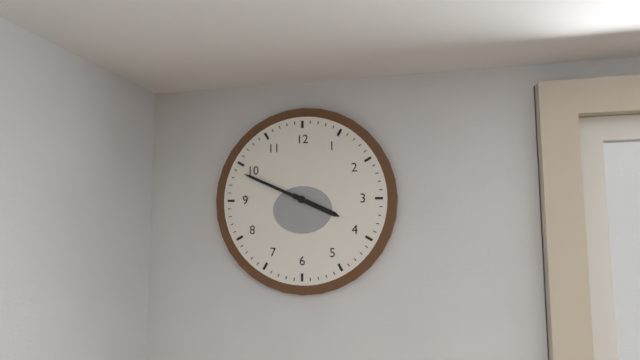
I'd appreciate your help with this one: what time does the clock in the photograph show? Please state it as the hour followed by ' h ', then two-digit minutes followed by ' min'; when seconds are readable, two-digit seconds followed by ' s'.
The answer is 3 h 49 min
